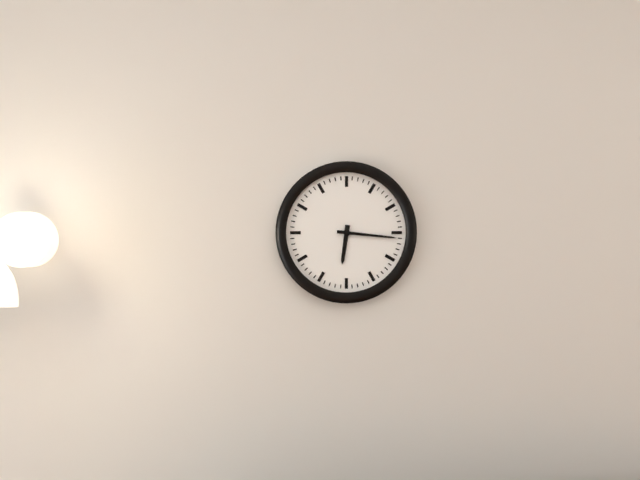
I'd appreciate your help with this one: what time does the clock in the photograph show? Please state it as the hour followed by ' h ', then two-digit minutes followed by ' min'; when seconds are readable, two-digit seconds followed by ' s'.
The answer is 6 h 16 min
